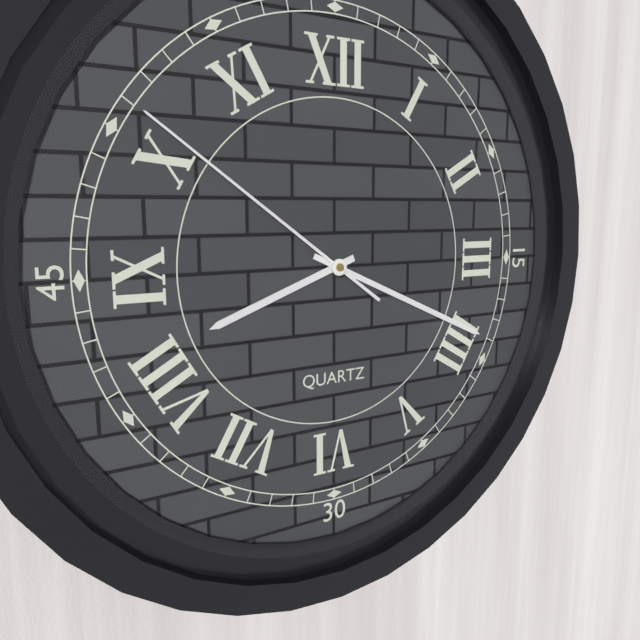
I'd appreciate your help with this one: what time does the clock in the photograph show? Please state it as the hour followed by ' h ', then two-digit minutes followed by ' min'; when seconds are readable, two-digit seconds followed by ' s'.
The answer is 8 h 19 min 51 s
